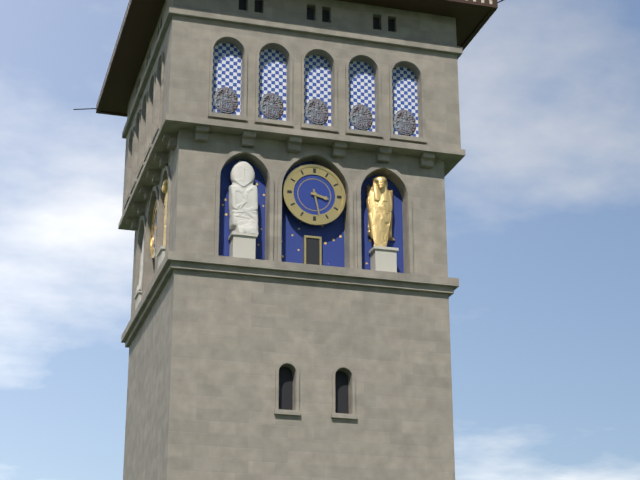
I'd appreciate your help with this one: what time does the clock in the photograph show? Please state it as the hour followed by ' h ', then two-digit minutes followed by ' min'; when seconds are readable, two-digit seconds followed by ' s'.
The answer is 3 h 28 min
